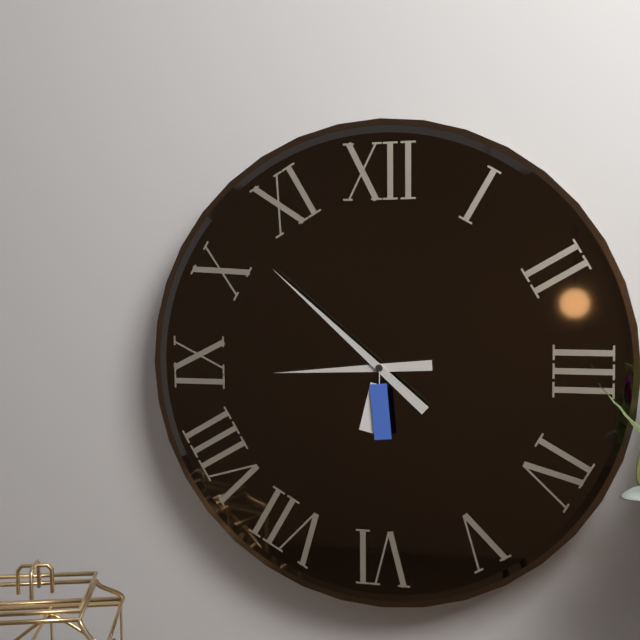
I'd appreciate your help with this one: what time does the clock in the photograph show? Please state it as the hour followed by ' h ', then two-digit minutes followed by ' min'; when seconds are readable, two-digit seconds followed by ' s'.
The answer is 8 h 52 min
